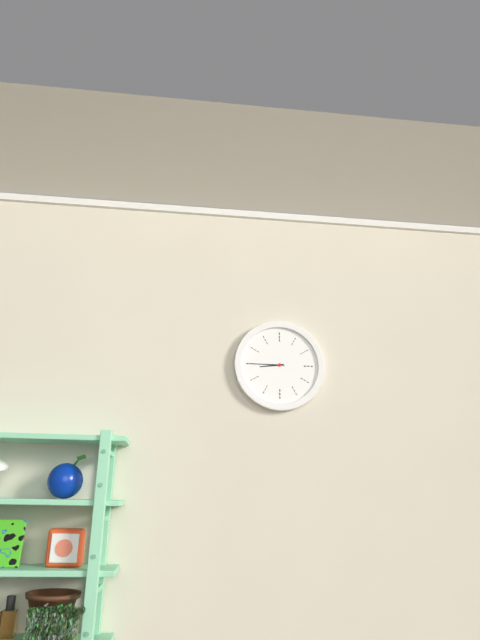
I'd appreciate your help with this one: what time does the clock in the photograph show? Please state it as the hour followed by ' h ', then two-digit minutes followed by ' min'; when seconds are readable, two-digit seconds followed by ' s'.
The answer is 8 h 45 min
